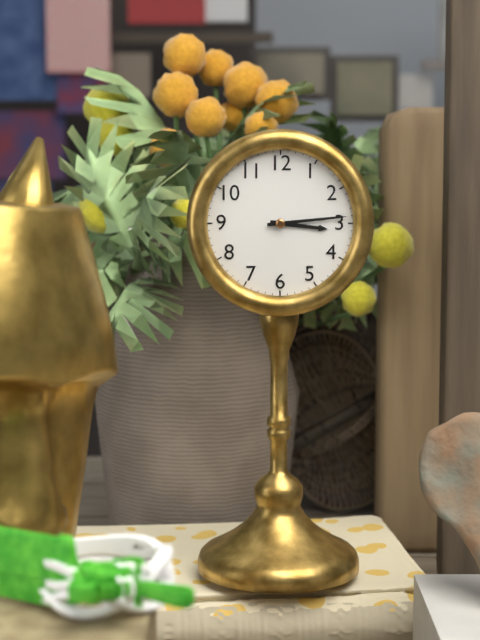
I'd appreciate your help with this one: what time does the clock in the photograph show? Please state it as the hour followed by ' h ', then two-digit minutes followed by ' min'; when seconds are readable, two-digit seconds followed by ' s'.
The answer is 3 h 14 min
